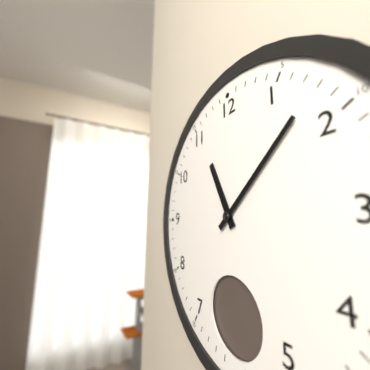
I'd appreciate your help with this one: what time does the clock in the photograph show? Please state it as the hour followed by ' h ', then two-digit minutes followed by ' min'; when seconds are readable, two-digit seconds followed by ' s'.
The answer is 11 h 08 min
